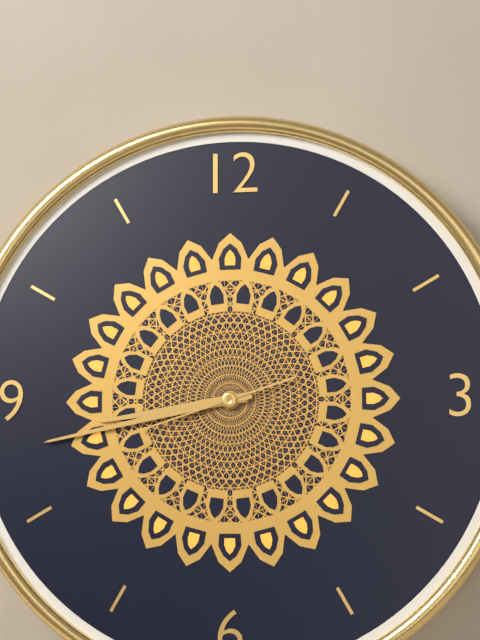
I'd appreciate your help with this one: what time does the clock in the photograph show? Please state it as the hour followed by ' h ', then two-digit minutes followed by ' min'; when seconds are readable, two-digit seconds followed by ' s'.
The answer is 8 h 43 min 42 s
